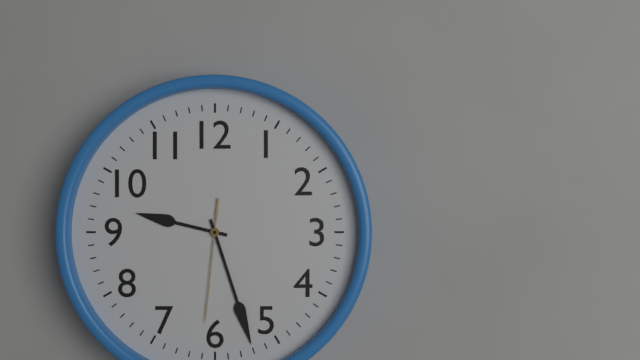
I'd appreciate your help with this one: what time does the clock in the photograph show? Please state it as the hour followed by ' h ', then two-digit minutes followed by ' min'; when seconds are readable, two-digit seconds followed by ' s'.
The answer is 9 h 27 min 31 s
